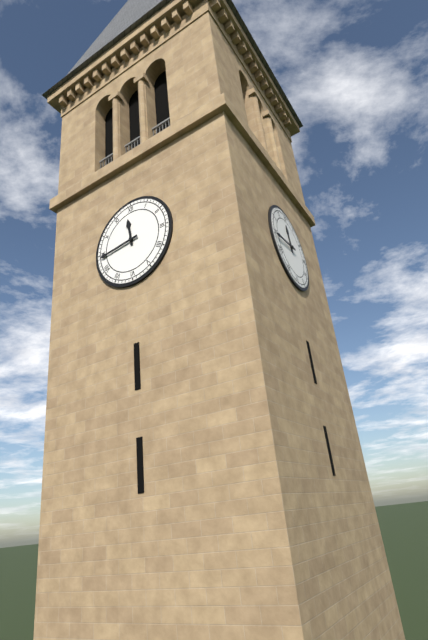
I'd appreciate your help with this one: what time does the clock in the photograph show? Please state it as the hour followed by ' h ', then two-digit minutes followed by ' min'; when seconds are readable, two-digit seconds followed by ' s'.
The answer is 11 h 44 min
